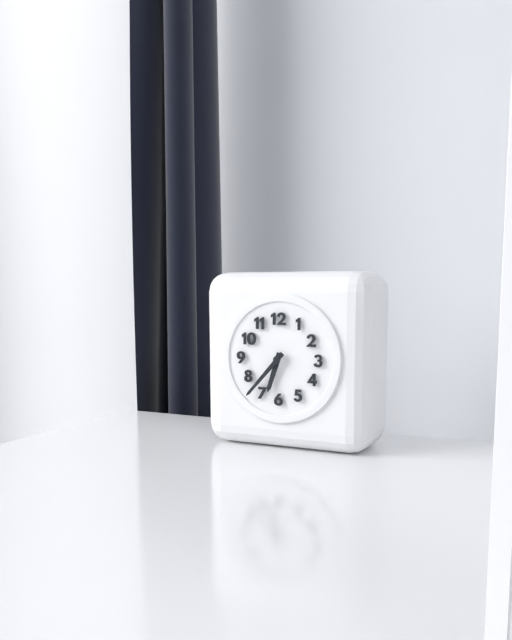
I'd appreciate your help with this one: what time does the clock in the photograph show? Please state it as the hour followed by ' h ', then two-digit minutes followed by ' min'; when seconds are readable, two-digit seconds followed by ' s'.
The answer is 6 h 37 min
